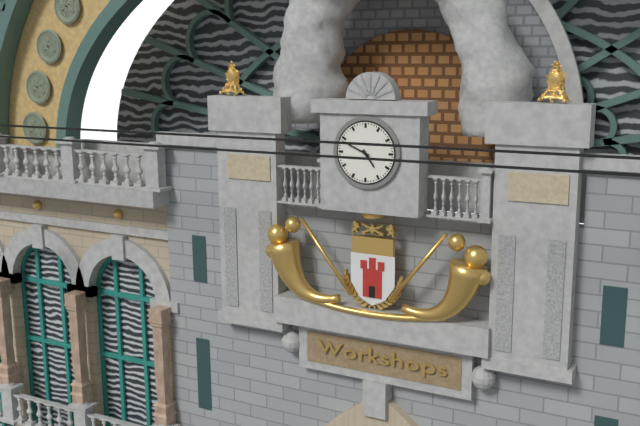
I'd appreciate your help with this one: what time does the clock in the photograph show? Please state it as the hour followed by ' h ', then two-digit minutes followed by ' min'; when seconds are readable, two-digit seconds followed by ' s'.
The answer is 4 h 49 min
